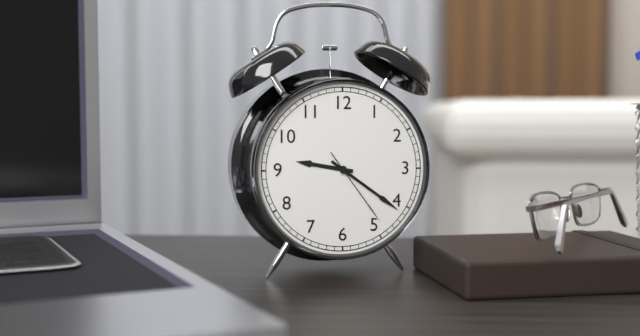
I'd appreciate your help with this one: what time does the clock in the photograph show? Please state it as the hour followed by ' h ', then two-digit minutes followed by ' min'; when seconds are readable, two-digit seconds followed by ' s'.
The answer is 9 h 21 min 24 s
